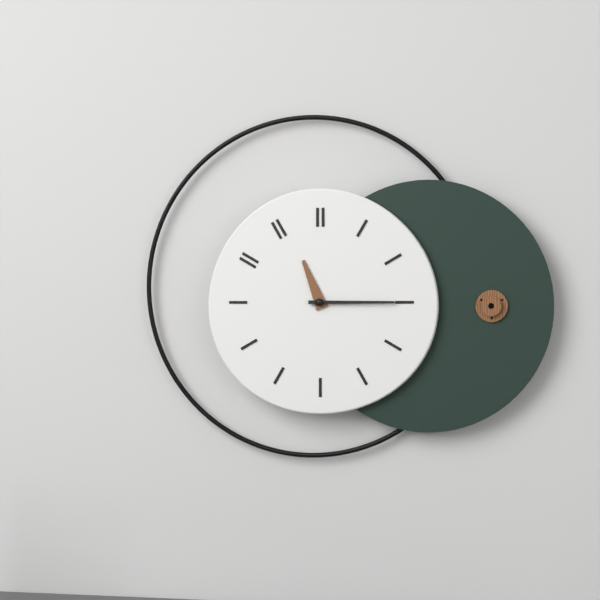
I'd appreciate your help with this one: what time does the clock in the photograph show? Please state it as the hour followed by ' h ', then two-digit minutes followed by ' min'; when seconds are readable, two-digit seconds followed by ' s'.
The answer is 11 h 15 min
